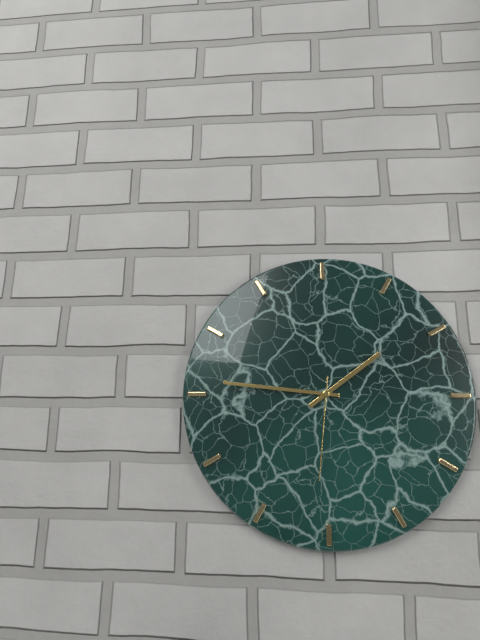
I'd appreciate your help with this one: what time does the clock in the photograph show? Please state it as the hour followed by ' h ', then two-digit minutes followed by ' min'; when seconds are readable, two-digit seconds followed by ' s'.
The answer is 1 h 46 min 31 s
